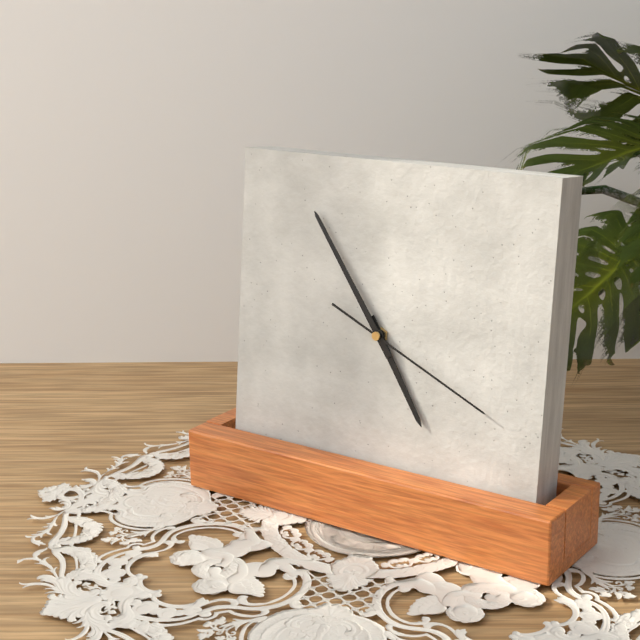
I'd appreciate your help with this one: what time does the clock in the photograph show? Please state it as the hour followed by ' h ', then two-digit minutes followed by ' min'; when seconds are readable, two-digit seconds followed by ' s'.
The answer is 4 h 54 min 19 s
